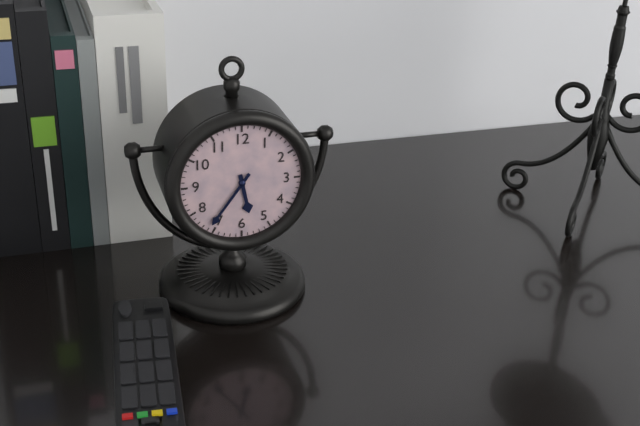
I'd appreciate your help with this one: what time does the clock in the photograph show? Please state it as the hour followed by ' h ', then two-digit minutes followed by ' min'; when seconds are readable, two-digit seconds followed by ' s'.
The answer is 5 h 36 min
